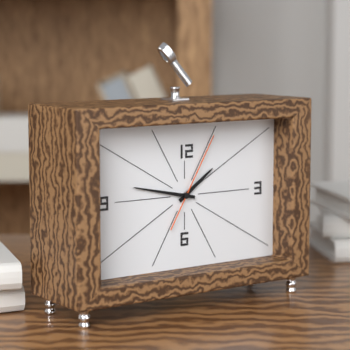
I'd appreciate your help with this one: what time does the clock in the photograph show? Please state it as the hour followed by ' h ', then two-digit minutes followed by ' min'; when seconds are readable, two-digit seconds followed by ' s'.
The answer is 1 h 47 min 05 s
